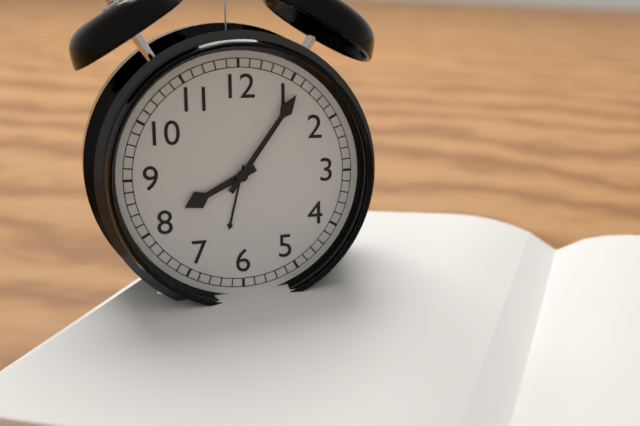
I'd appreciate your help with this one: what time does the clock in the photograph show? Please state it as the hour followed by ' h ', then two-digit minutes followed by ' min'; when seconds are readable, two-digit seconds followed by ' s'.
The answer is 8 h 06 min
